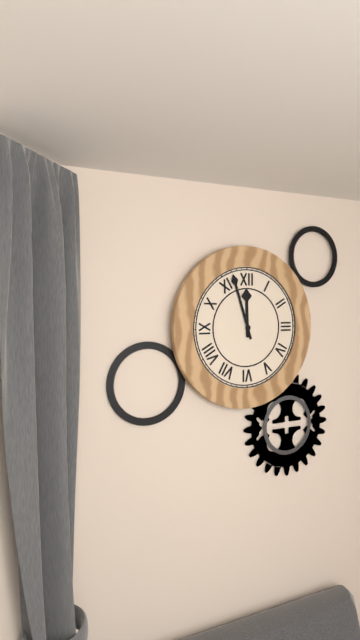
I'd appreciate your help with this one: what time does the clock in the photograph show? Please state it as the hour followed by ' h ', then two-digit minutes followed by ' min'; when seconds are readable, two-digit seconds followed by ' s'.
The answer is 11 h 57 min
